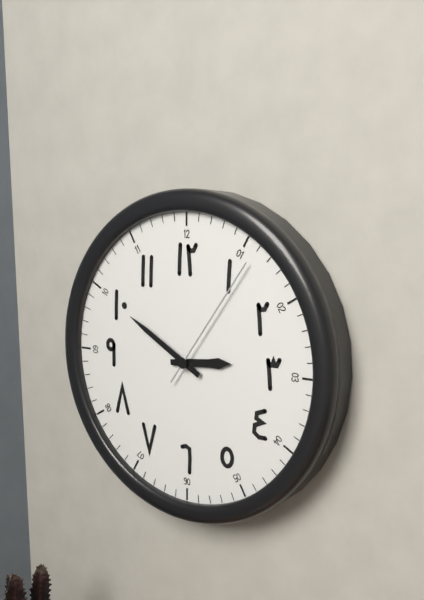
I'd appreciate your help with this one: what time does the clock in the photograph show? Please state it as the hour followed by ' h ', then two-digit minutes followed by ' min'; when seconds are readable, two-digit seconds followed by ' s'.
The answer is 2 h 50 min 06 s
